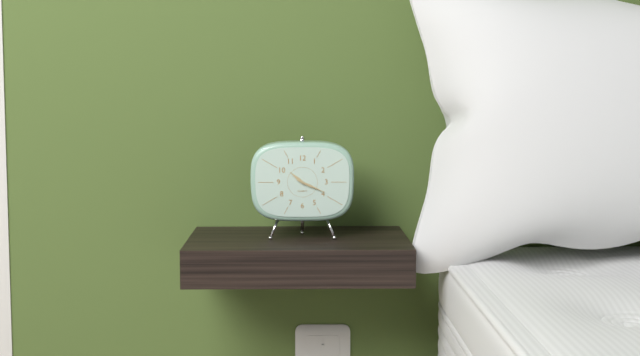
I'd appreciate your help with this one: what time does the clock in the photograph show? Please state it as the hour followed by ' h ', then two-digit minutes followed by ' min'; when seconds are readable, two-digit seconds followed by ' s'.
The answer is 10 h 19 min
